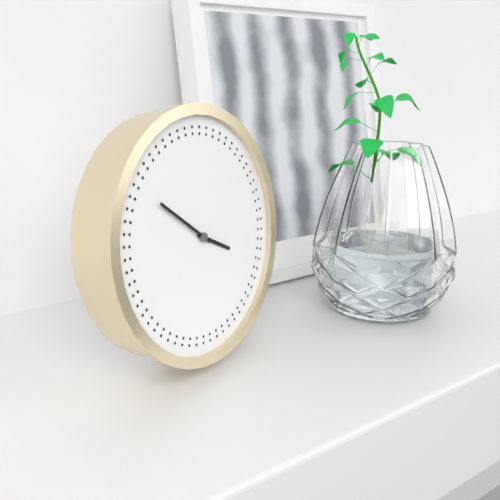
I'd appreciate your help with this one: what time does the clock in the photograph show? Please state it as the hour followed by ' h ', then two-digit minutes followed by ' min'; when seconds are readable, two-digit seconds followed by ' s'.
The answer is 3 h 51 min
